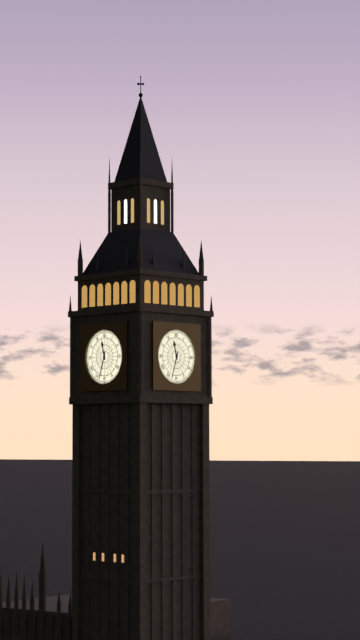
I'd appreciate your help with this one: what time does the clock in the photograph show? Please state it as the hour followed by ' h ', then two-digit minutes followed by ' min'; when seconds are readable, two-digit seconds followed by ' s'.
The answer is 11 h 33 min
